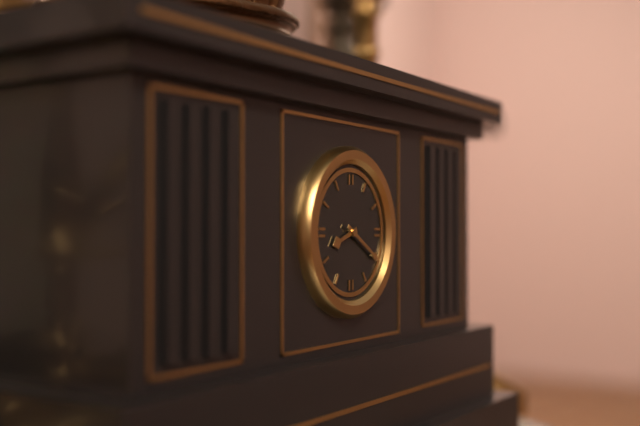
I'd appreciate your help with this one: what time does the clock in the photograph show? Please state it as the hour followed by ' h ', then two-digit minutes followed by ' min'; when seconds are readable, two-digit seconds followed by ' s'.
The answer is 8 h 20 min
